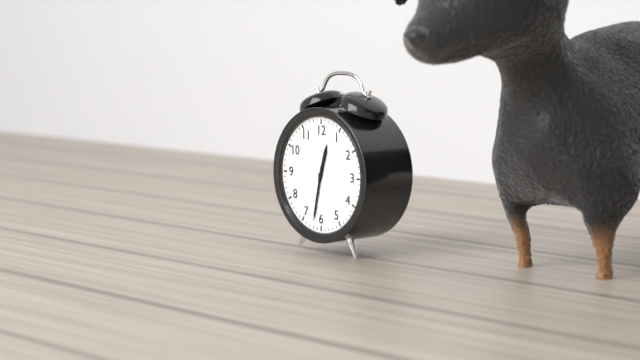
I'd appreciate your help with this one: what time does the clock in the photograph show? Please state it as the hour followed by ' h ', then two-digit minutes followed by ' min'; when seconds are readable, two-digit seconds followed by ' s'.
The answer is 12 h 32 min
